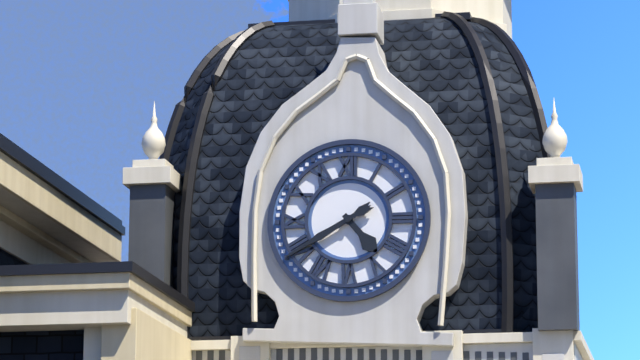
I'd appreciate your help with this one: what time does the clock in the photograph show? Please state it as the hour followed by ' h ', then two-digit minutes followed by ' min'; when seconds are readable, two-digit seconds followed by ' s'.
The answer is 4 h 40 min
